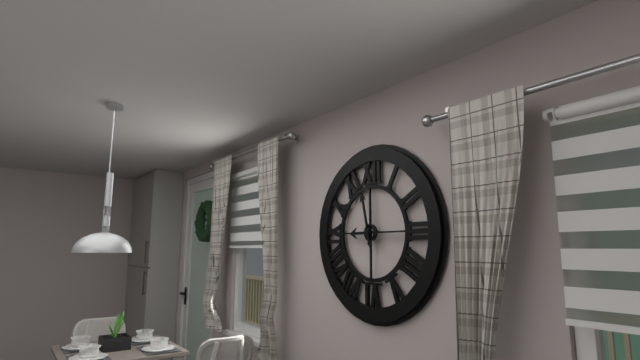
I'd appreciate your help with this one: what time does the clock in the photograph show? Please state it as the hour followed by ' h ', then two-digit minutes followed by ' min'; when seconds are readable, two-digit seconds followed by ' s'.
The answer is 8 h 58 min
